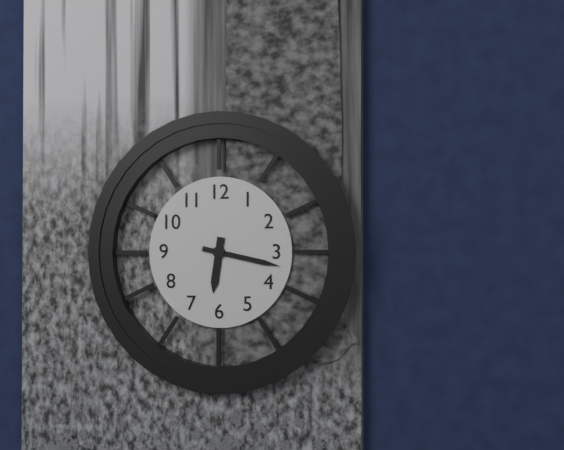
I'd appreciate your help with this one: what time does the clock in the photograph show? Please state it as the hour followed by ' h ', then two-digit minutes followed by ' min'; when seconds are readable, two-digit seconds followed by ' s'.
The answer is 6 h 17 min
